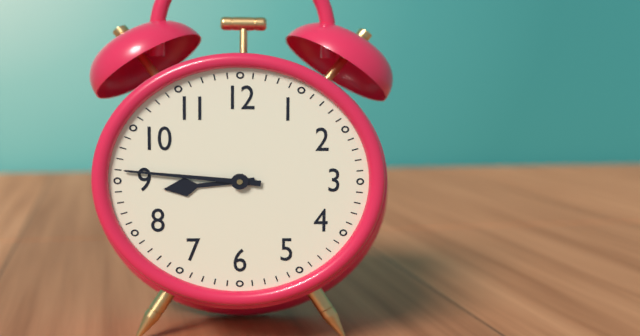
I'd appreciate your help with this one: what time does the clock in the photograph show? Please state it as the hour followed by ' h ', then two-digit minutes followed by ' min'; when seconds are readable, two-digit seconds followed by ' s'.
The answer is 8 h 46 min
